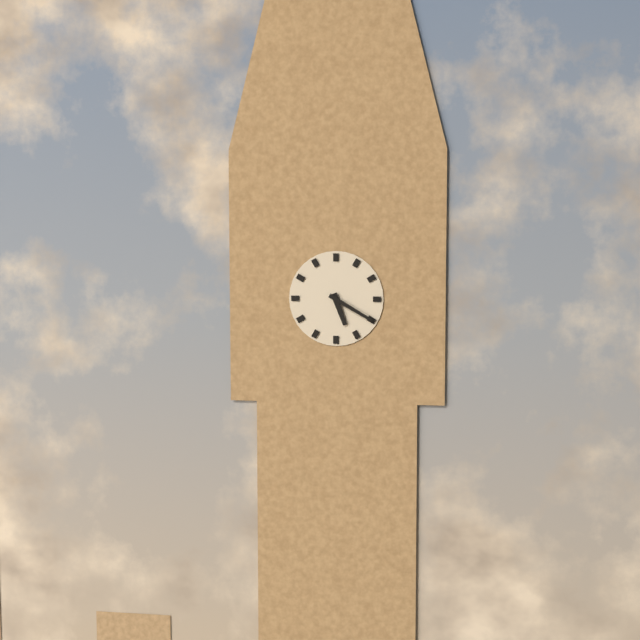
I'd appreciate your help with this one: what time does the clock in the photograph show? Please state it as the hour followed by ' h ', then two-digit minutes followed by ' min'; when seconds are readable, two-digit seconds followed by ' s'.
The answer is 5 h 20 min
